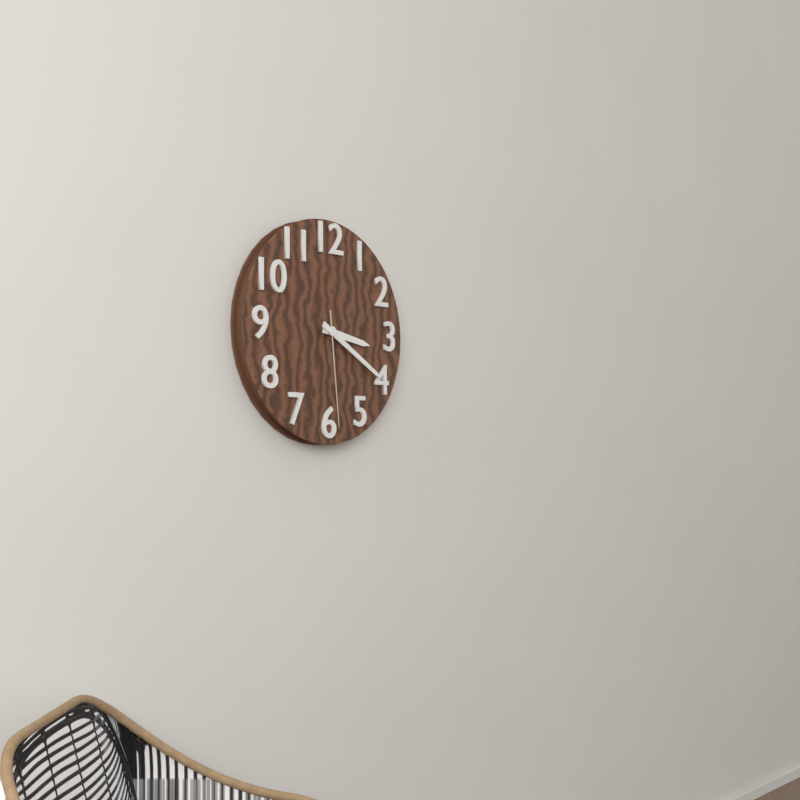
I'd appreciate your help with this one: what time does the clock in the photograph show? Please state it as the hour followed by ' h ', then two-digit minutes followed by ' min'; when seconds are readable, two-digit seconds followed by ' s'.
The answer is 3 h 20 min 29 s
